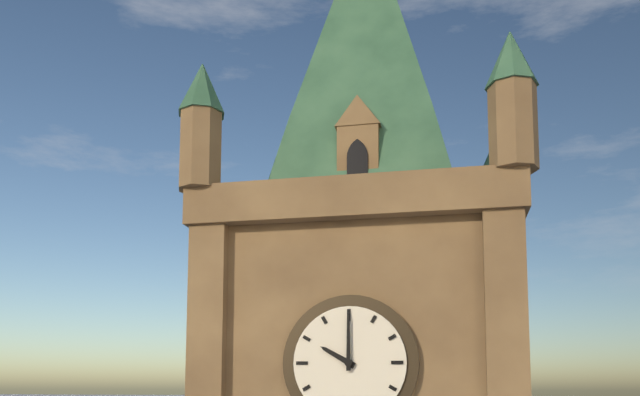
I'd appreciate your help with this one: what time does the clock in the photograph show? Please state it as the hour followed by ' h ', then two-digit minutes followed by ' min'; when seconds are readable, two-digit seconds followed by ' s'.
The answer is 10 h 00 min
